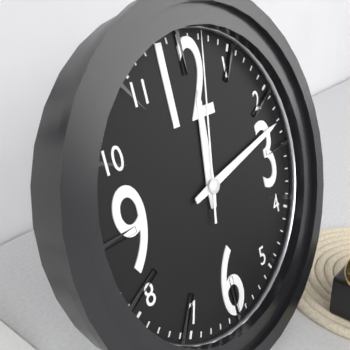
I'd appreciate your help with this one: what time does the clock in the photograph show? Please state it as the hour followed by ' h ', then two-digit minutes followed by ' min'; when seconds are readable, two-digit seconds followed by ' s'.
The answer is 12 h 13 min 02 s
